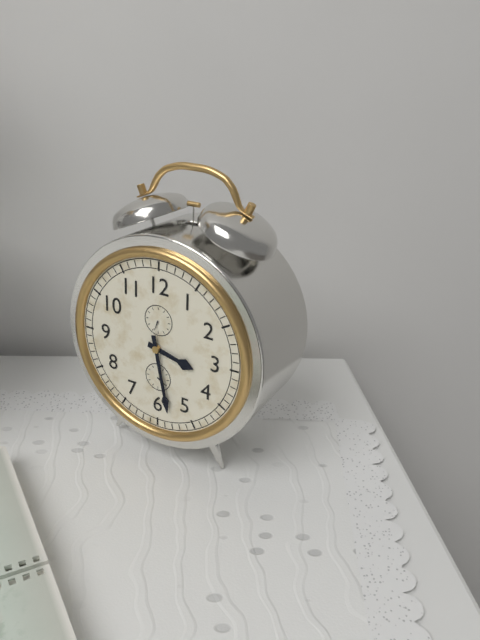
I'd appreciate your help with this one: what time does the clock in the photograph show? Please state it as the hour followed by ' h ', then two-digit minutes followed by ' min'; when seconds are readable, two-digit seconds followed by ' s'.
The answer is 3 h 28 min
